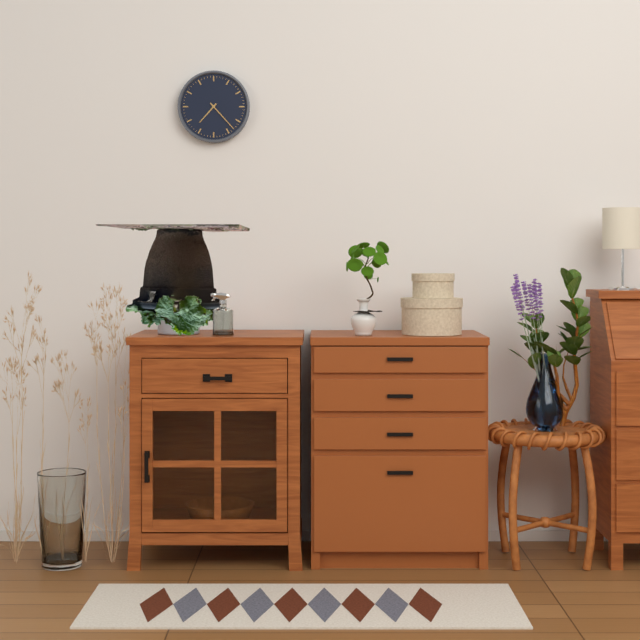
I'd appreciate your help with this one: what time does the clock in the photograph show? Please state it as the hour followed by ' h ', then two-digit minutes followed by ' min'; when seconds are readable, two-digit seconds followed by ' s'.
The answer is 7 h 23 min
